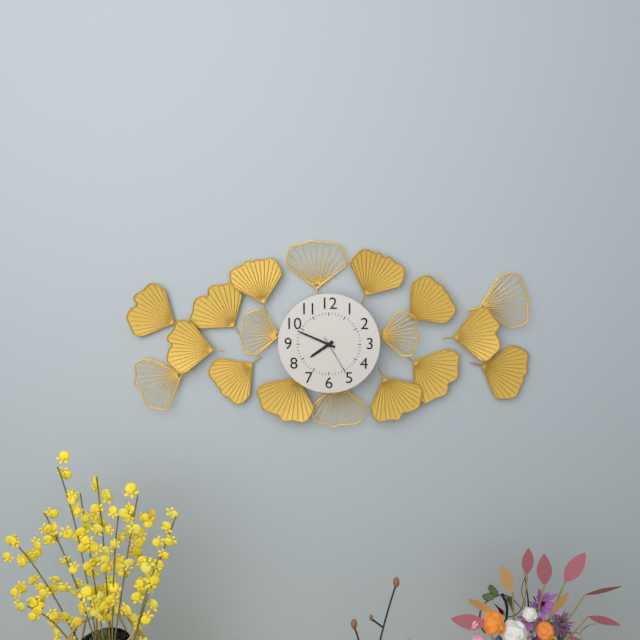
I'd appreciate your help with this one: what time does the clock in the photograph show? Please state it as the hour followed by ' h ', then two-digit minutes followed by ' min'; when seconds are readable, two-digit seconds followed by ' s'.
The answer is 7 h 49 min
